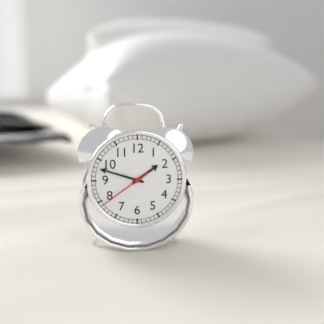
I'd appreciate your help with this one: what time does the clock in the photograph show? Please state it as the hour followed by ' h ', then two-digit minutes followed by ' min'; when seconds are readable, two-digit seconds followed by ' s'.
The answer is 1 h 48 min 39 s
